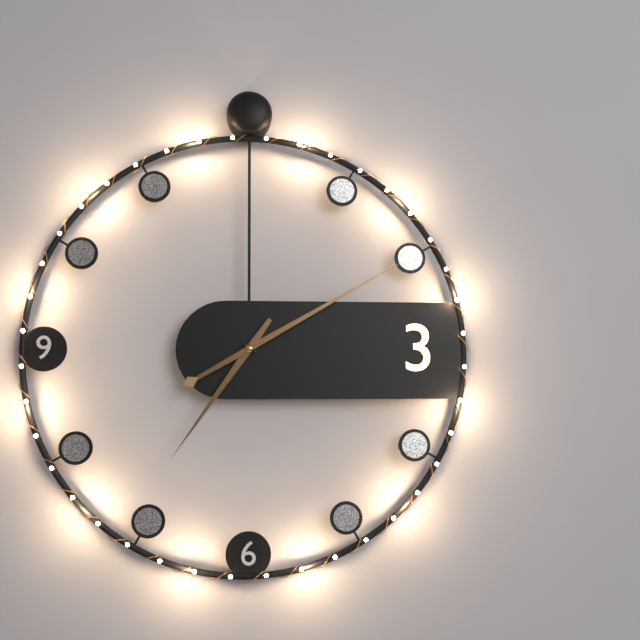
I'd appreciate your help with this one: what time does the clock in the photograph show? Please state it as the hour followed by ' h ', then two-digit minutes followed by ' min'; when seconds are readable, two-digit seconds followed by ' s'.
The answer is 7 h 10 min
